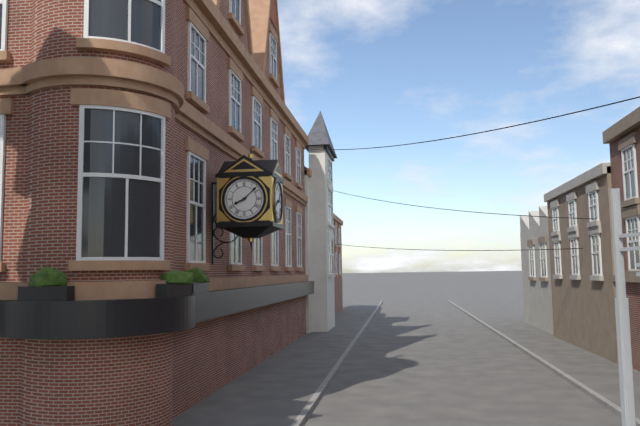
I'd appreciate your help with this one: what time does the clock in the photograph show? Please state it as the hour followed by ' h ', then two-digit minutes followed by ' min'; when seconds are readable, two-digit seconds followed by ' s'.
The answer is 8 h 08 min
